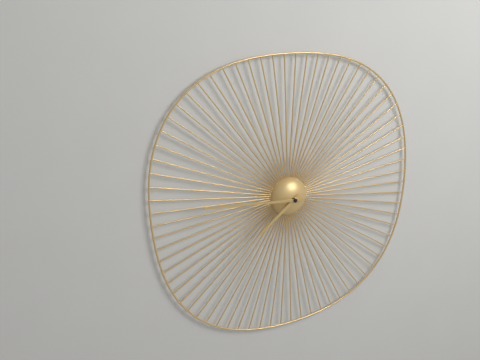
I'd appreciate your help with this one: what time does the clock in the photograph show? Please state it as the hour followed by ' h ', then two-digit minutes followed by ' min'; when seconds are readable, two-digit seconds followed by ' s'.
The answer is 7 h 46 min
